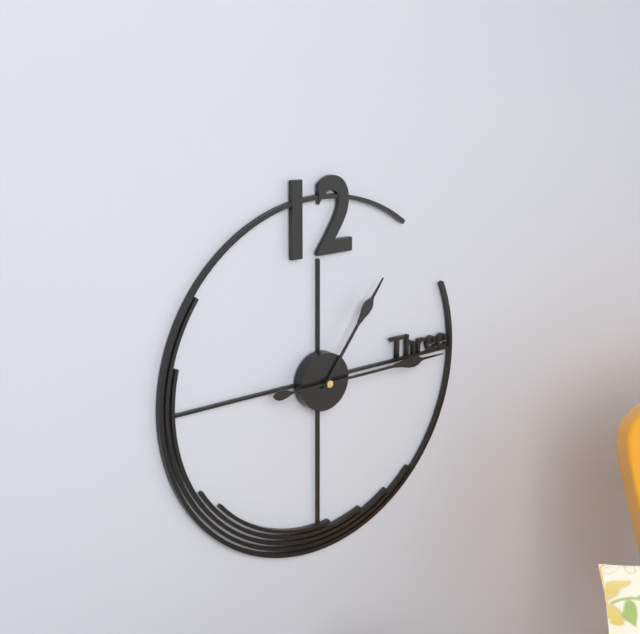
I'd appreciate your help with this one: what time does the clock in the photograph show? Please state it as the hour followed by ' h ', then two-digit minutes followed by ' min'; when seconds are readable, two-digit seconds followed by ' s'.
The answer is 1 h 15 min
